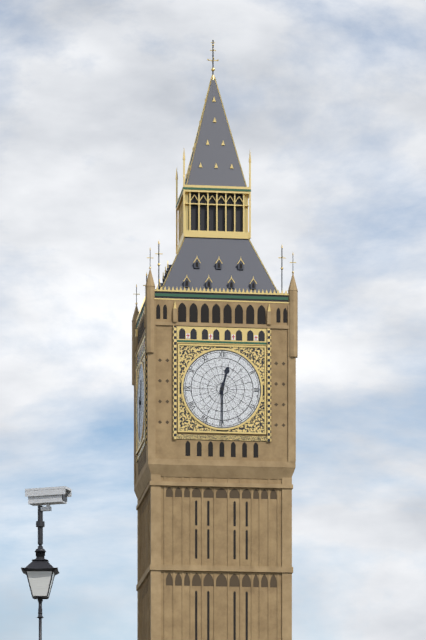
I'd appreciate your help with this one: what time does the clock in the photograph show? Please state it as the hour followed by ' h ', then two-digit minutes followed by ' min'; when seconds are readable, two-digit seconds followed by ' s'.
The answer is 12 h 30 min
